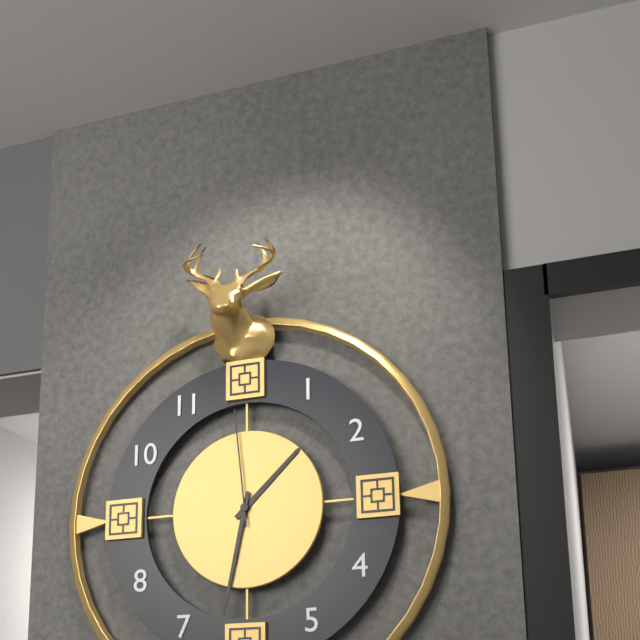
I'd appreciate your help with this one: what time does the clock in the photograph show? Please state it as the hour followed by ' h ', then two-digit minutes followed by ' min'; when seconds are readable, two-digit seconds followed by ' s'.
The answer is 1 h 32 min 59 s
